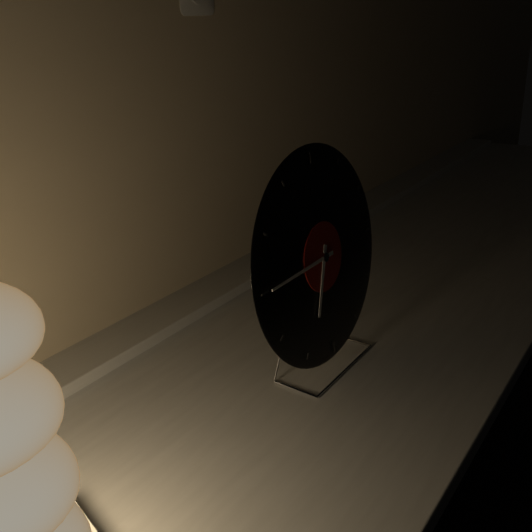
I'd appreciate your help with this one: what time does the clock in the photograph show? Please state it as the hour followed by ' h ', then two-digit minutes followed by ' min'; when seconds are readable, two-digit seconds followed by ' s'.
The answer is 6 h 45 min
